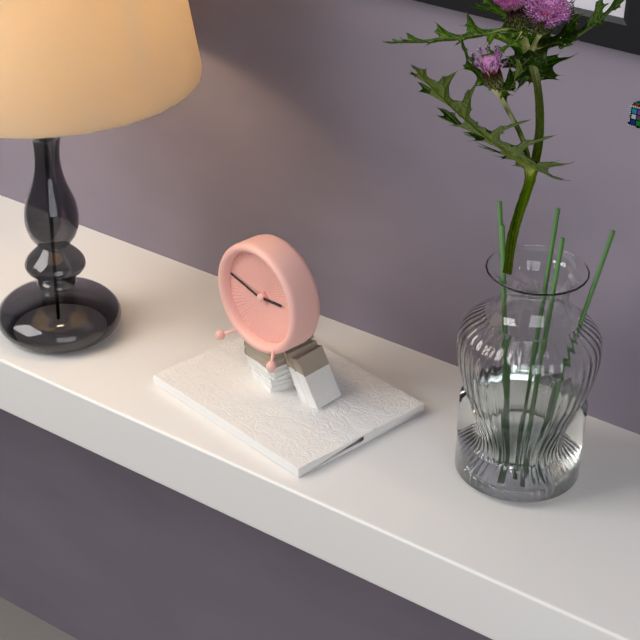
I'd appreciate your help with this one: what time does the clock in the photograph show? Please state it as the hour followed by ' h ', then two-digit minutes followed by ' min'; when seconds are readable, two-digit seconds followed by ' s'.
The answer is 2 h 47 min
